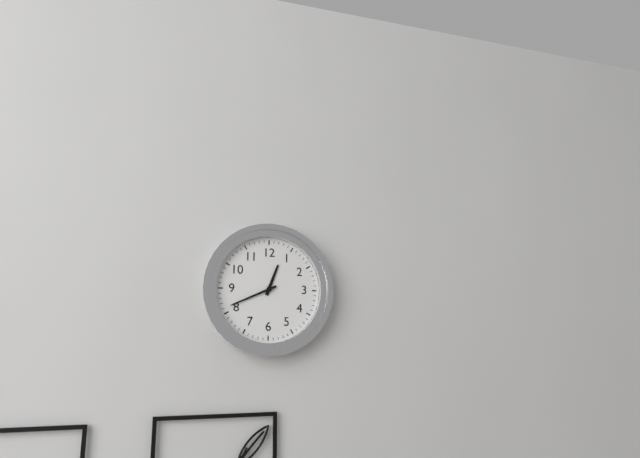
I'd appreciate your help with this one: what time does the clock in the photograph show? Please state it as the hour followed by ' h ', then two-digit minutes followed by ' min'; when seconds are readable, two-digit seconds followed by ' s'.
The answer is 12 h 41 min
